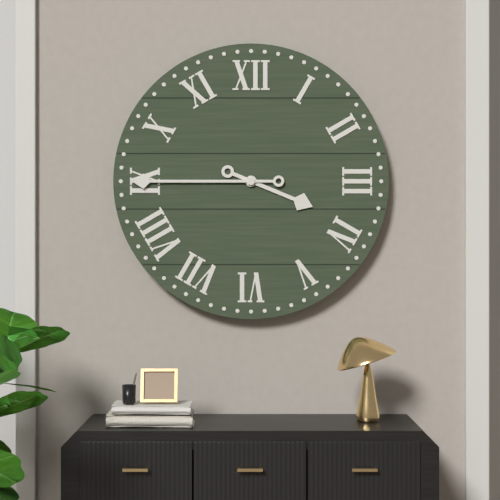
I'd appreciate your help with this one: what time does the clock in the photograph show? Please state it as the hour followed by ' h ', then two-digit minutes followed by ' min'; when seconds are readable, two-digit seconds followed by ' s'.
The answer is 3 h 45 min
